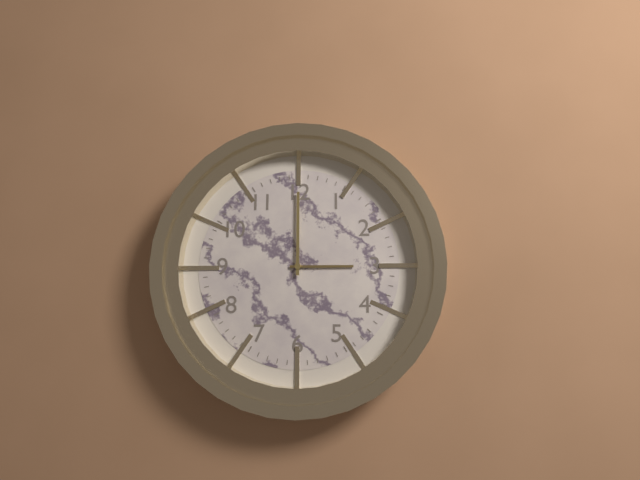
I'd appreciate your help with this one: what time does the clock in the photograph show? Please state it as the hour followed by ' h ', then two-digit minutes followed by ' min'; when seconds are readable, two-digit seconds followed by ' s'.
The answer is 3 h 00 min
